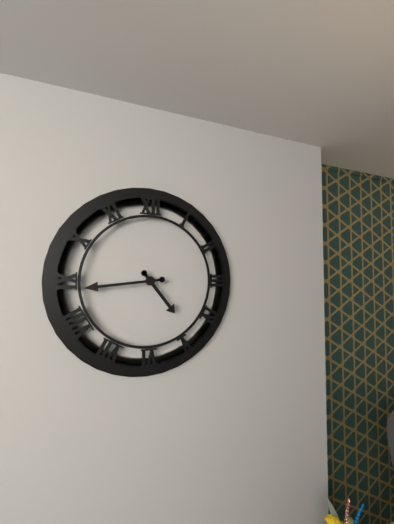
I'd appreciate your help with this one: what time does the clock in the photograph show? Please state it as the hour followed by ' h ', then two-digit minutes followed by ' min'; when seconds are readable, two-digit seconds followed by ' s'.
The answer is 4 h 44 min
